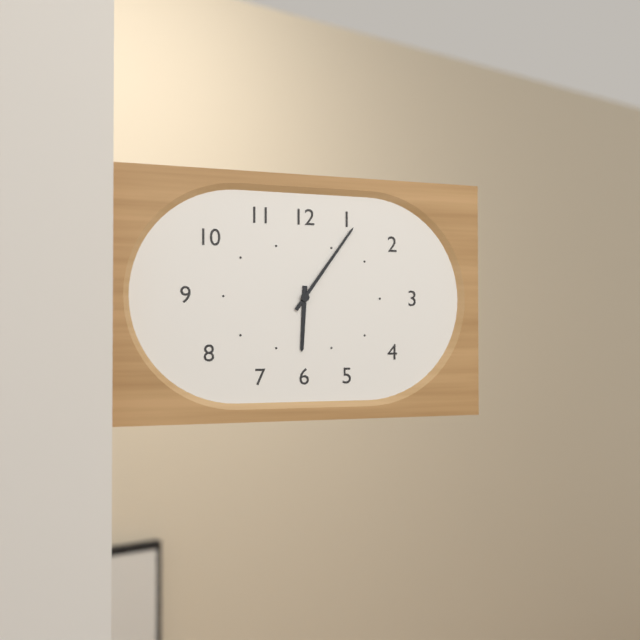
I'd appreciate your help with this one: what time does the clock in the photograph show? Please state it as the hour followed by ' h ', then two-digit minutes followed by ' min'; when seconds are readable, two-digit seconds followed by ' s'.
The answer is 6 h 06 min
